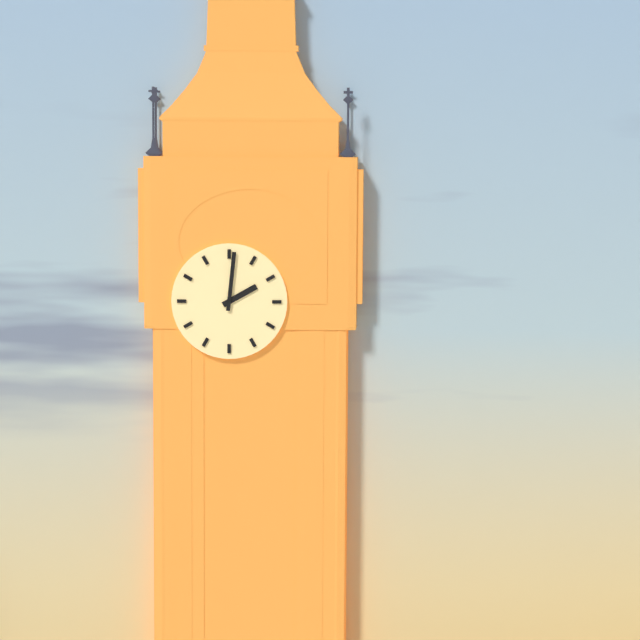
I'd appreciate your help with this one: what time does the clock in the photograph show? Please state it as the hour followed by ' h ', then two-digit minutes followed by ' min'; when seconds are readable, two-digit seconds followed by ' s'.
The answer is 2 h 01 min
